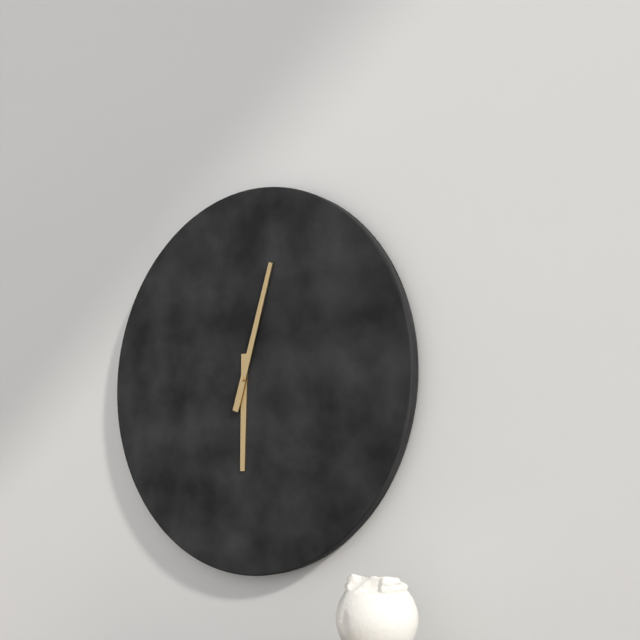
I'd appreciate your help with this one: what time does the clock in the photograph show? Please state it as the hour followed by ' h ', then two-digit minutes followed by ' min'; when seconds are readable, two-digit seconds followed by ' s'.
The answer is 6 h 03 min
